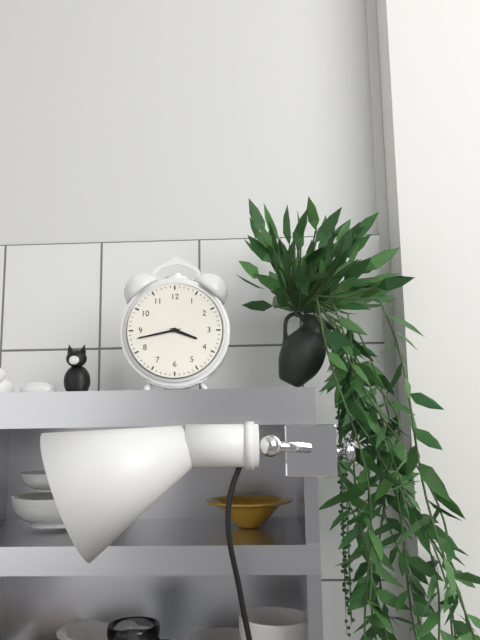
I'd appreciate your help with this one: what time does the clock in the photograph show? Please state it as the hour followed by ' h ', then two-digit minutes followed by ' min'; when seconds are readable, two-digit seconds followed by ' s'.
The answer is 3 h 43 min
